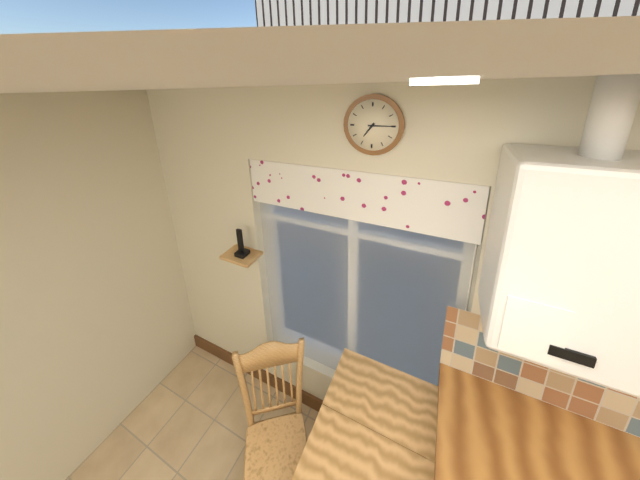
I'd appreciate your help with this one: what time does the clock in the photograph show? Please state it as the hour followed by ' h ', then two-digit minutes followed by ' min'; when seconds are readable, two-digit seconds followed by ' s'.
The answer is 7 h 15 min
